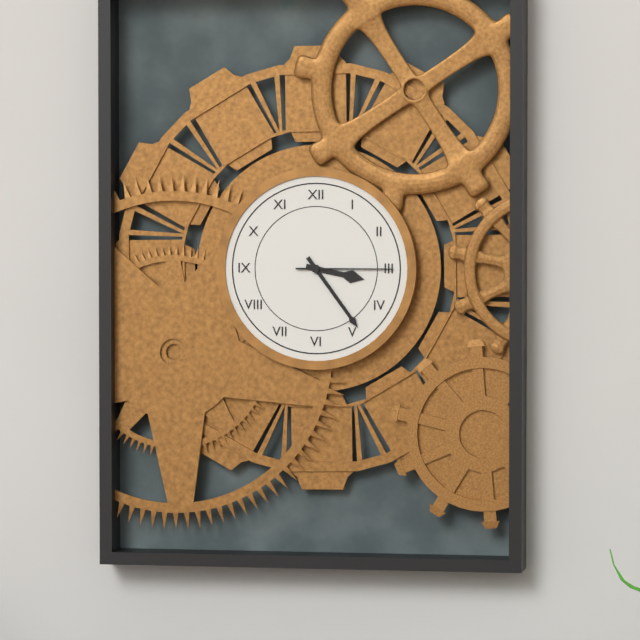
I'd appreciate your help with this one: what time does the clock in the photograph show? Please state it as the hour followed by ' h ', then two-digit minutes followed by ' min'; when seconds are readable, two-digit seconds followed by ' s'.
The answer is 3 h 24 min 15 s
